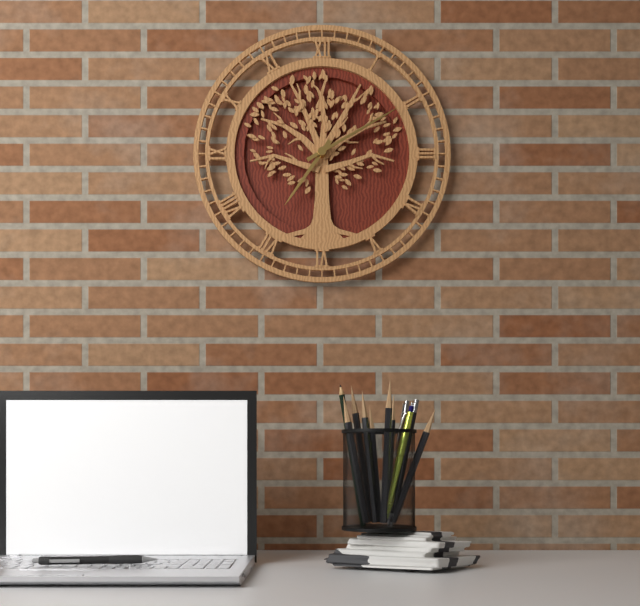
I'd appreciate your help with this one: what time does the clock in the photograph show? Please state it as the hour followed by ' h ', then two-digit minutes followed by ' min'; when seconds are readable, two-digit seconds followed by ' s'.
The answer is 7 h 10 min
